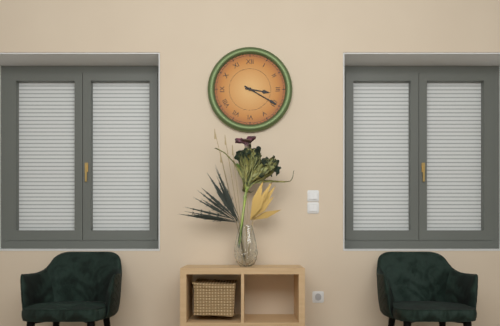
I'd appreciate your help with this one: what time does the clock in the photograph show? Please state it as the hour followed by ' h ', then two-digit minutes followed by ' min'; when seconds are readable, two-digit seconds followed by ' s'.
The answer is 3 h 20 min
